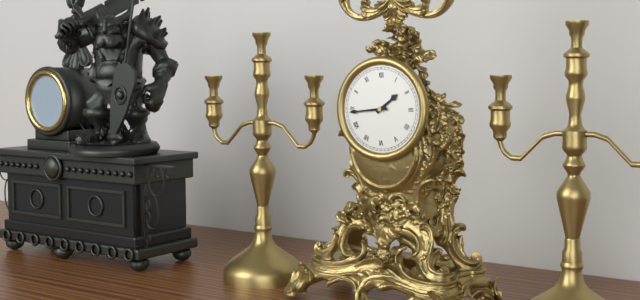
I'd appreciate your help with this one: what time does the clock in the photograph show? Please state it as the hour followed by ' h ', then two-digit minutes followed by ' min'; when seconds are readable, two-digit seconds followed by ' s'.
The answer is 1 h 44 min
